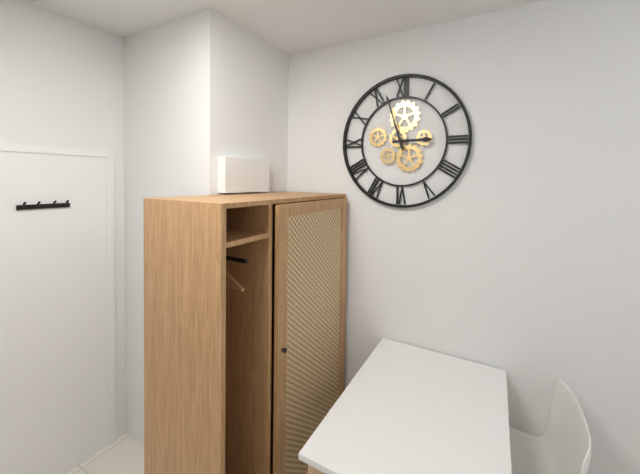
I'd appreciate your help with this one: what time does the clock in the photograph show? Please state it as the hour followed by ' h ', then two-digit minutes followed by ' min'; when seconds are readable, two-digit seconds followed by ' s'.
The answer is 2 h 57 min
